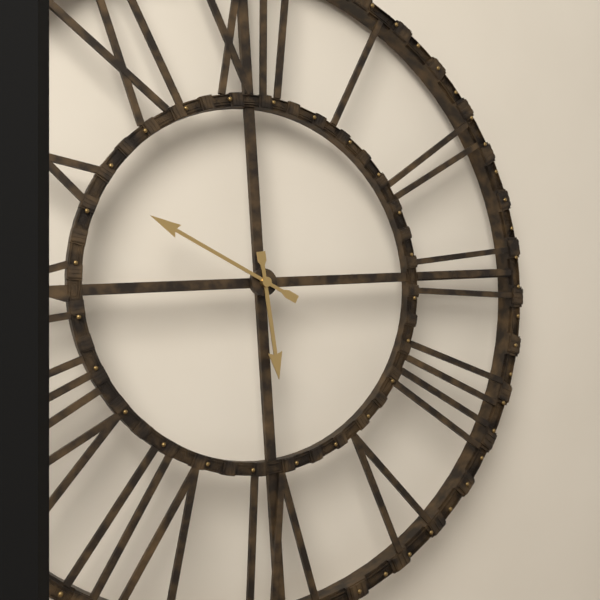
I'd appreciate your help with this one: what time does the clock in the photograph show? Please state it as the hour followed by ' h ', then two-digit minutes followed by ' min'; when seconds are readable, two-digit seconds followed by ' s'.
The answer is 5 h 50 min
